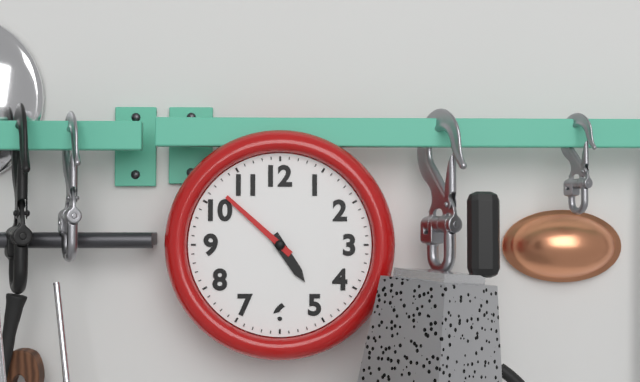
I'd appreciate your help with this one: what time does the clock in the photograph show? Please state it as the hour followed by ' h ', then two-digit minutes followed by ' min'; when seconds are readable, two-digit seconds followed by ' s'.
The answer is 4 h 52 min
